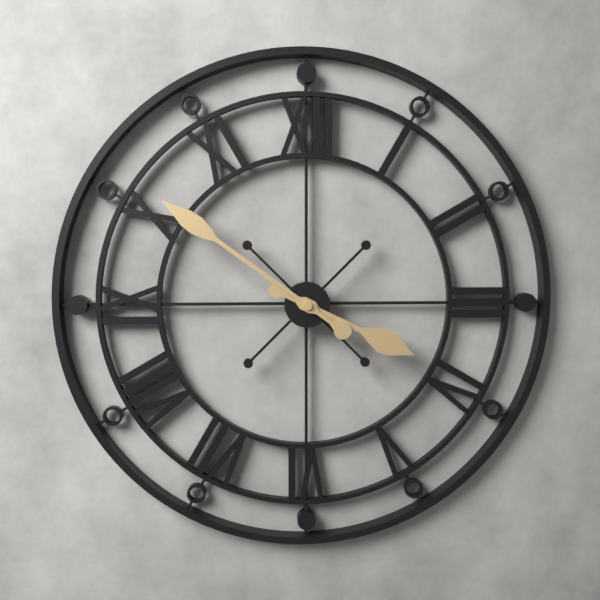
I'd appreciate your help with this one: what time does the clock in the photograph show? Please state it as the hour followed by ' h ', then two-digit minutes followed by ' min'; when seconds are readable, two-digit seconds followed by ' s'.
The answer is 3 h 51 min
